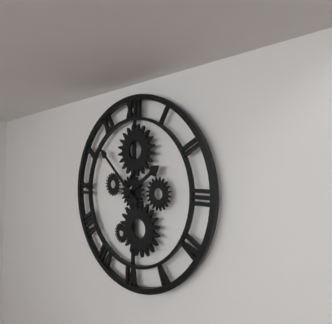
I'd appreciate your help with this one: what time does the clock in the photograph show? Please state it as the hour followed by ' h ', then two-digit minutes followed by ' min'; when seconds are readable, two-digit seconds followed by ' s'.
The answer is 1 h 52 min
